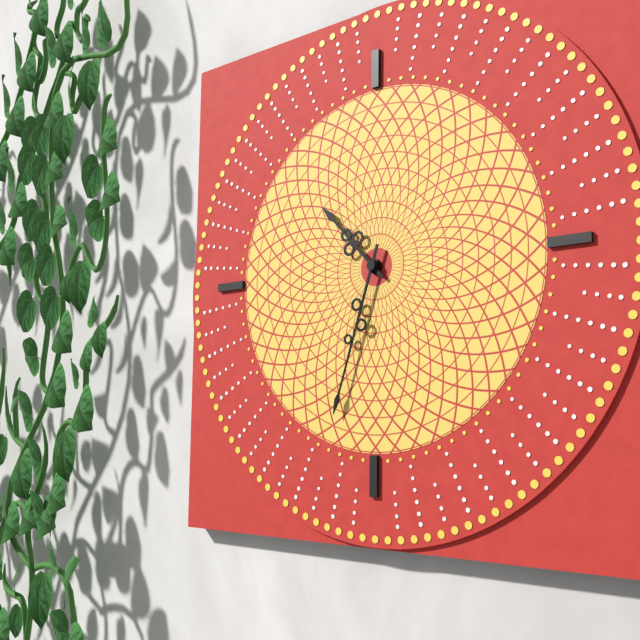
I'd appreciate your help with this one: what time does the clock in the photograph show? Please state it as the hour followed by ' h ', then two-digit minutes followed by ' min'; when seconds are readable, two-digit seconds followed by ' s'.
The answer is 10 h 33 min
